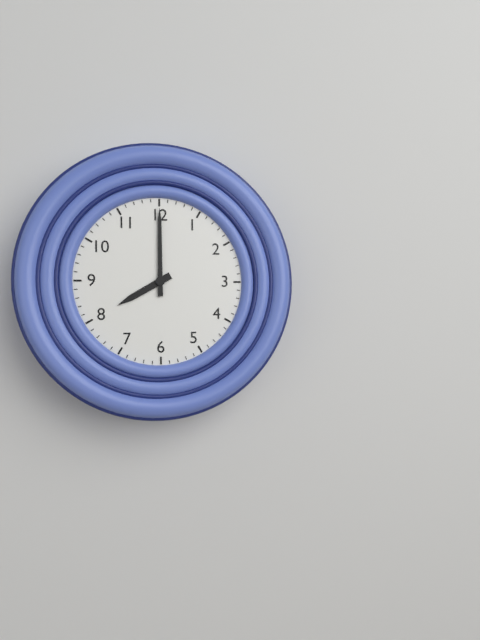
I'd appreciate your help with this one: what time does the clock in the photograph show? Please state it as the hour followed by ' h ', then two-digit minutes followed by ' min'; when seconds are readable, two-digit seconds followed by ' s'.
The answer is 8 h 00 min
